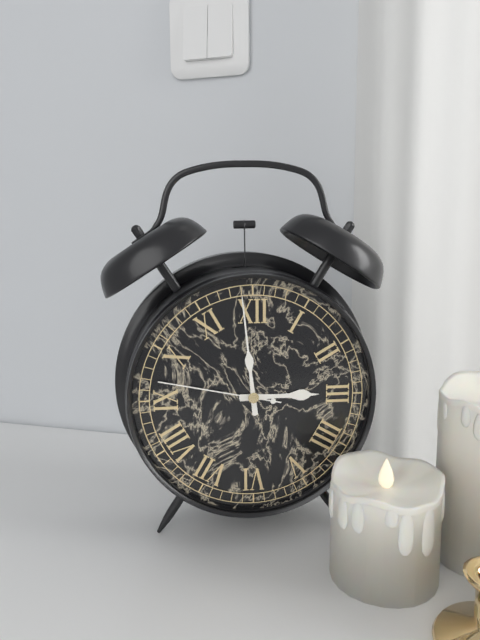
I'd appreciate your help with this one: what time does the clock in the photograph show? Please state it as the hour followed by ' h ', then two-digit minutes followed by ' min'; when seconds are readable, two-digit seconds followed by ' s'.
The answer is 2 h 59 min 47 s
